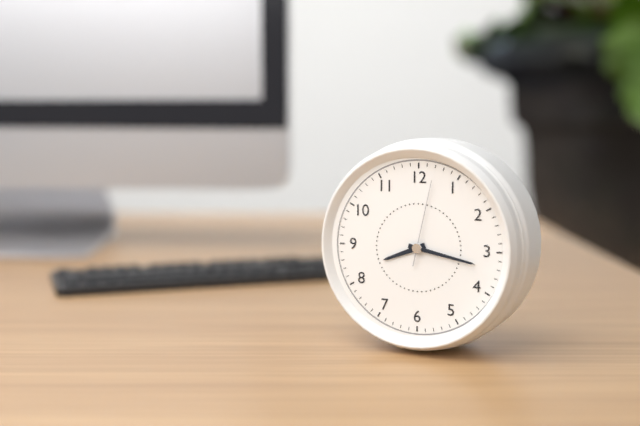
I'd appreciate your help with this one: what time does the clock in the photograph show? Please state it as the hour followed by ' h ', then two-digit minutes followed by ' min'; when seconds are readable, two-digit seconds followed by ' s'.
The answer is 8 h 17 min 02 s
